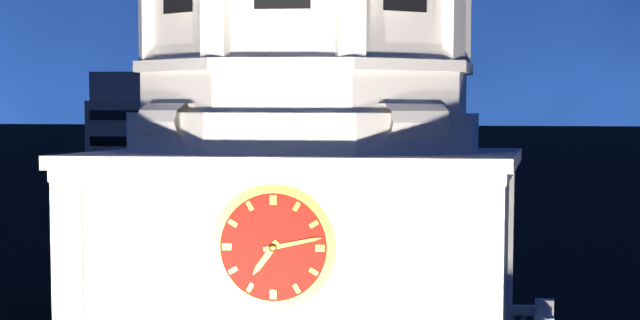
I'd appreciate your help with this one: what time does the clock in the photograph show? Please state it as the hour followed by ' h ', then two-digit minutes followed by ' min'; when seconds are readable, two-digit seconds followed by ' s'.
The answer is 7 h 13 min
